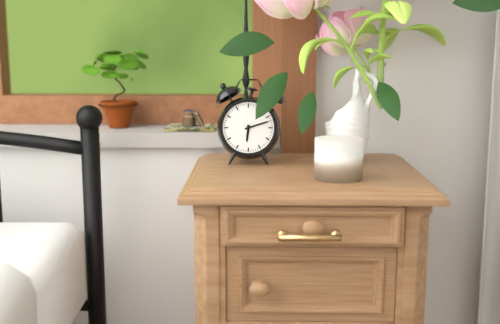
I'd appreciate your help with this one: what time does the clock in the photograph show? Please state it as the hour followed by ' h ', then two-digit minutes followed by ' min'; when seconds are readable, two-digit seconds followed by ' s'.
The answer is 6 h 12 min
